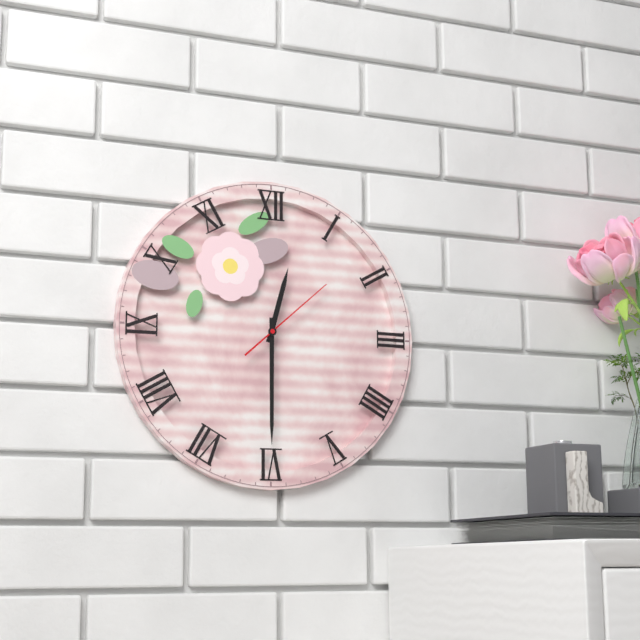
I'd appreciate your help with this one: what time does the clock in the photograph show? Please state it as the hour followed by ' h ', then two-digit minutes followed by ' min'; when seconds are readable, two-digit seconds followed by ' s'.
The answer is 12 h 30 min 08 s
